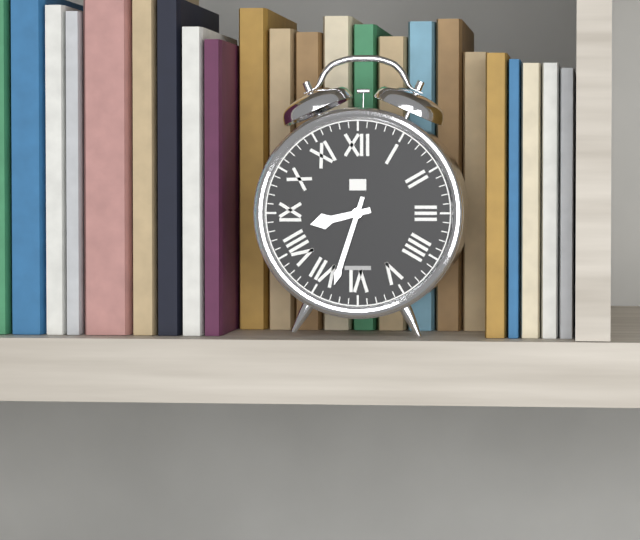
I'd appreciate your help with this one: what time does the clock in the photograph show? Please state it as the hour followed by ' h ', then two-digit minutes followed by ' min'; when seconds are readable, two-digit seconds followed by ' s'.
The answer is 8 h 33 min
